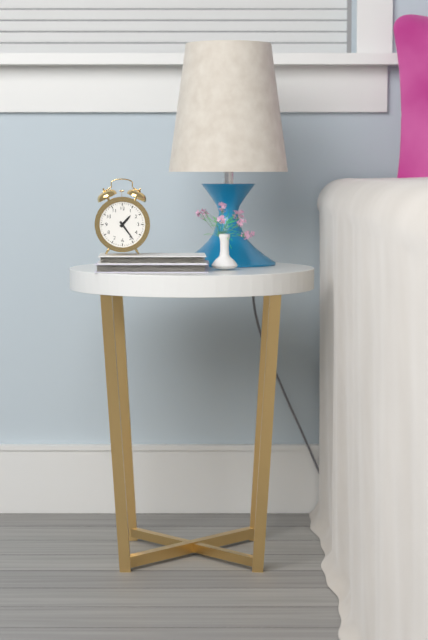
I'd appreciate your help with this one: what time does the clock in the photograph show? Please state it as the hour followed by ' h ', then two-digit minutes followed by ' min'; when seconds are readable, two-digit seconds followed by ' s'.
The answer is 1 h 24 min
